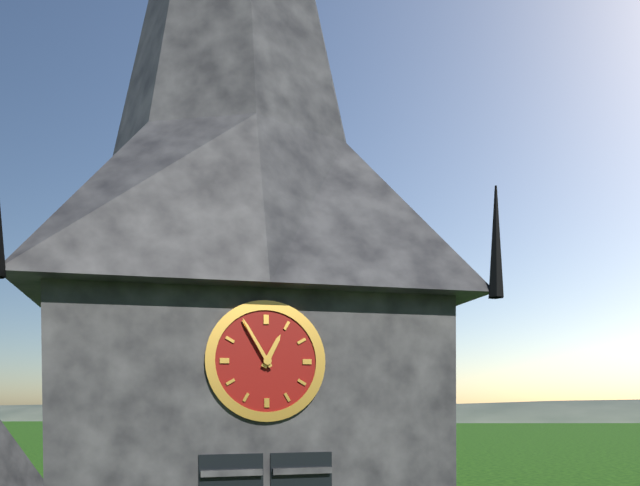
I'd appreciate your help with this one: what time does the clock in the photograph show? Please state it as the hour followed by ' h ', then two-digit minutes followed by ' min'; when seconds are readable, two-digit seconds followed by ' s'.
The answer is 12 h 55 min
